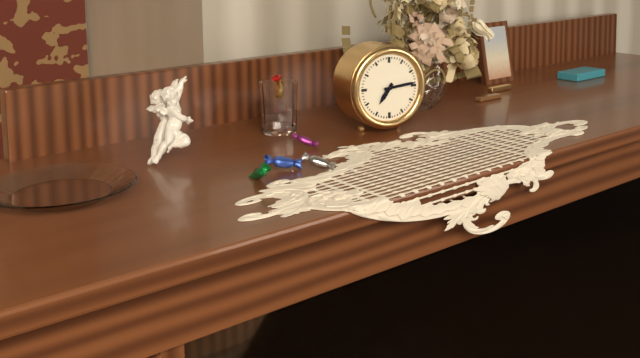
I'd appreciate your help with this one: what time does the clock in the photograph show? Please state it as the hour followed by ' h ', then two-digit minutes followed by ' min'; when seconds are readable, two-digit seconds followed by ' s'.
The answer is 7 h 14 min
